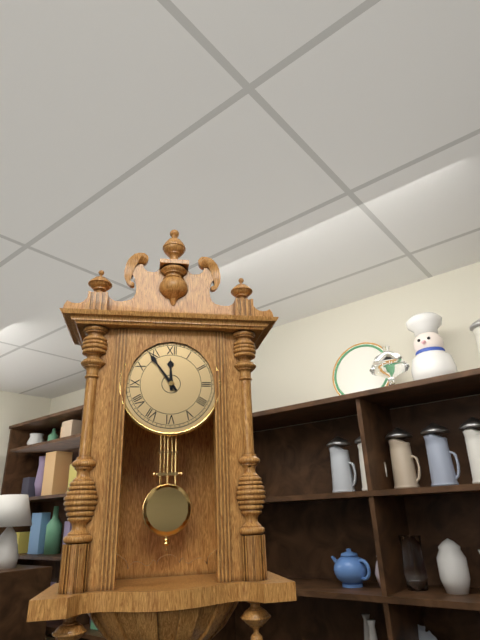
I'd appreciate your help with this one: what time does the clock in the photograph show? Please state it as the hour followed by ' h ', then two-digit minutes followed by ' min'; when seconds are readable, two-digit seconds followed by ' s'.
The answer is 11 h 54 min
